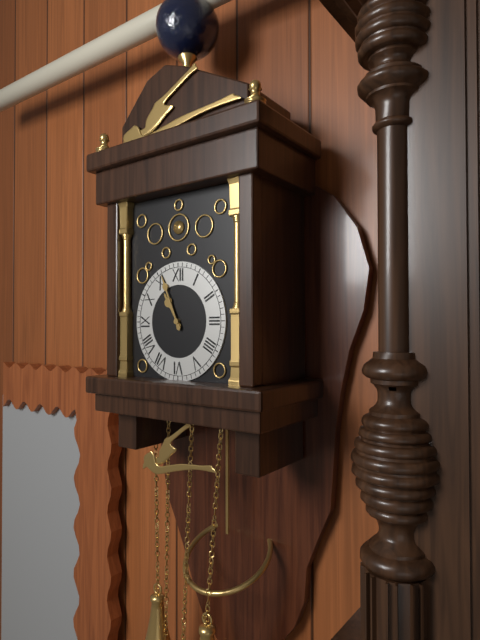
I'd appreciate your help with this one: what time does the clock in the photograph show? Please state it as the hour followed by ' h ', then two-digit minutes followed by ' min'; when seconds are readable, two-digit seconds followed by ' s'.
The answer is 10 h 56 min
